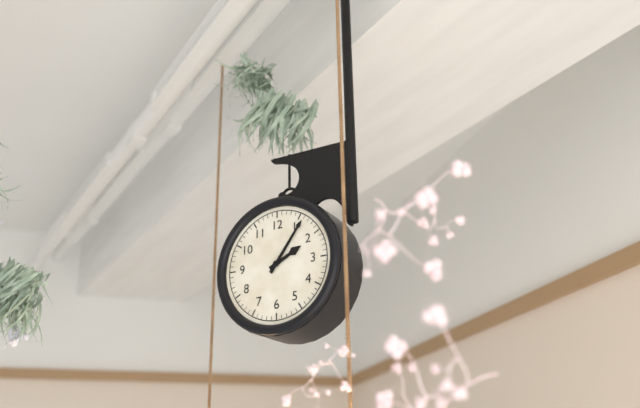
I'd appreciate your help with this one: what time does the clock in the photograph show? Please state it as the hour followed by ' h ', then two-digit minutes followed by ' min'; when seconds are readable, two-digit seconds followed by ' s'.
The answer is 2 h 06 min
